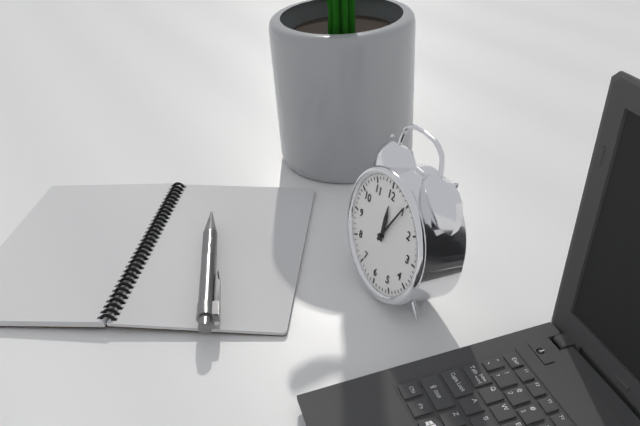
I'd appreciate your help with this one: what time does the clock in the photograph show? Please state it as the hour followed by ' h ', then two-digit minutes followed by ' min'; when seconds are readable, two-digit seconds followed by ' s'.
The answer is 12 h 05 min
